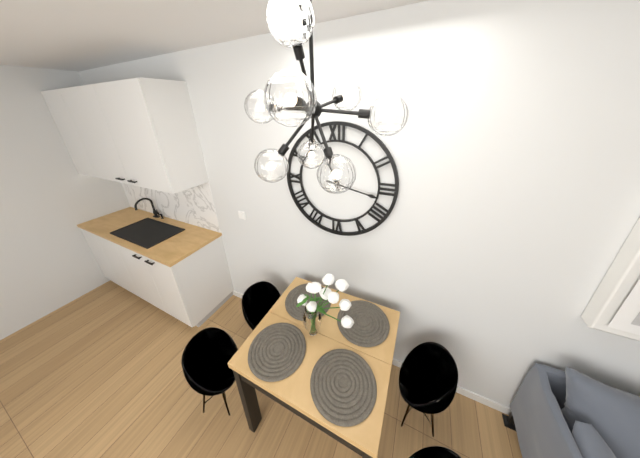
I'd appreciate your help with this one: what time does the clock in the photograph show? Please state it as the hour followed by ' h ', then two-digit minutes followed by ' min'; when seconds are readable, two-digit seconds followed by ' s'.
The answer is 11 h 17 min
